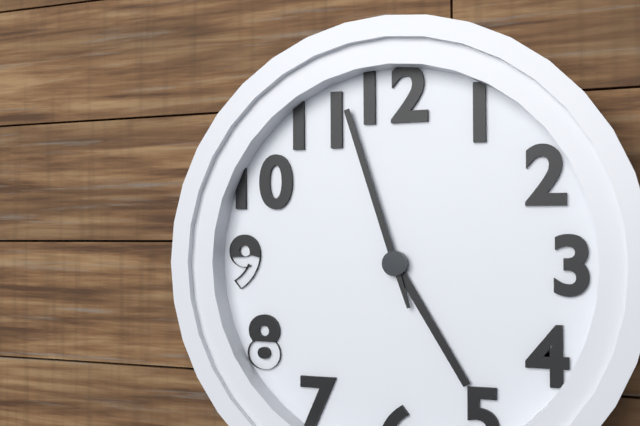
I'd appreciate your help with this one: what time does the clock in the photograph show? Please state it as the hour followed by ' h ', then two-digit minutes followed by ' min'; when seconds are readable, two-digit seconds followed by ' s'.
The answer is 4 h 57 min
